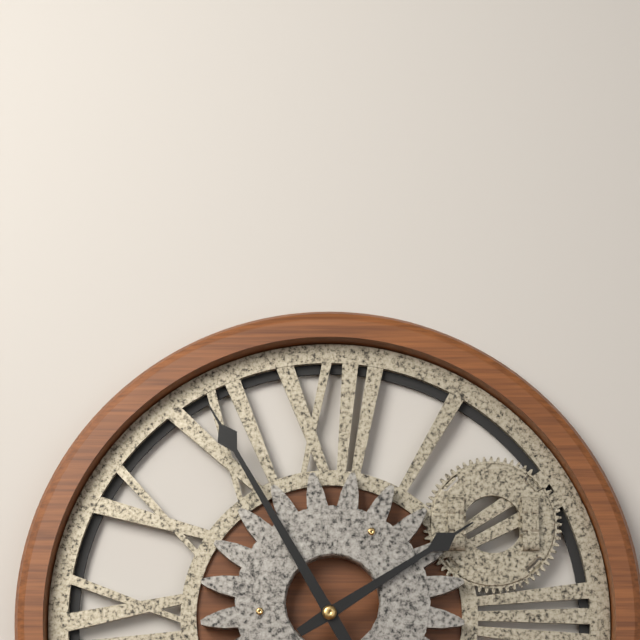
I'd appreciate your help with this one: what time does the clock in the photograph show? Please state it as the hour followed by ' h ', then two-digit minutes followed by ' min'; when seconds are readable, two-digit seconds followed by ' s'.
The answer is 1 h 55 min
